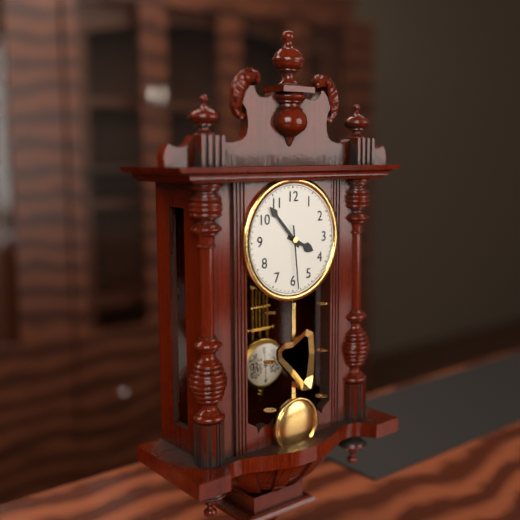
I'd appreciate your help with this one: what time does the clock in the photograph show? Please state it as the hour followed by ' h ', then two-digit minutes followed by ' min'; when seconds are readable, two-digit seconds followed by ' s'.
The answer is 3 h 53 min 29 s
